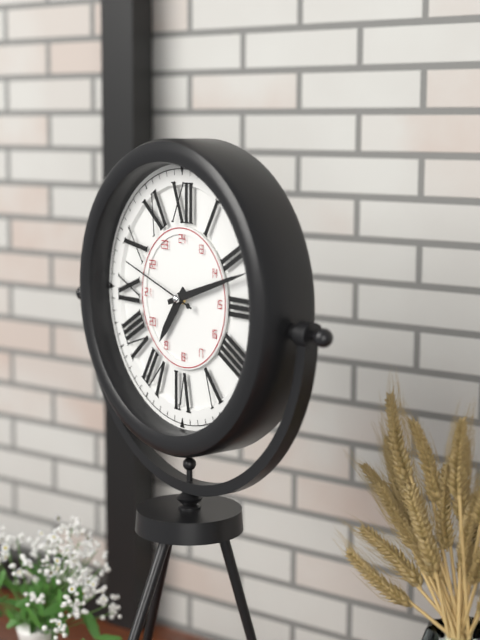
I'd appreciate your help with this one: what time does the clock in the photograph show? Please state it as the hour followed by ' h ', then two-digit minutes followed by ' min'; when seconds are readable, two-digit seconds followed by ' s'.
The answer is 7 h 12 min 48 s
